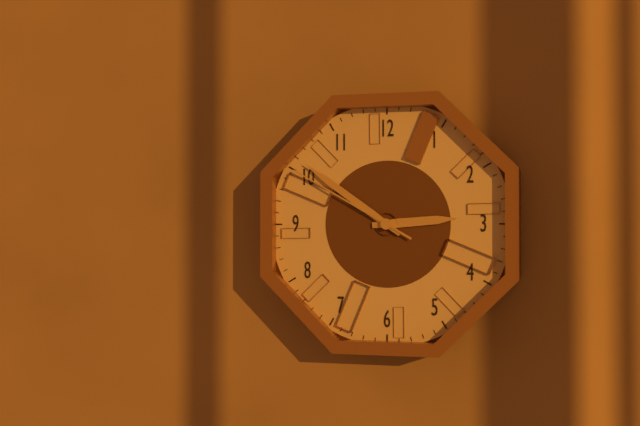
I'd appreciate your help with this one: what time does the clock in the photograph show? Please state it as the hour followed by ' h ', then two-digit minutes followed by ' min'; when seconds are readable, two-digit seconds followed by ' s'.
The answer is 2 h 51 min 50 s
